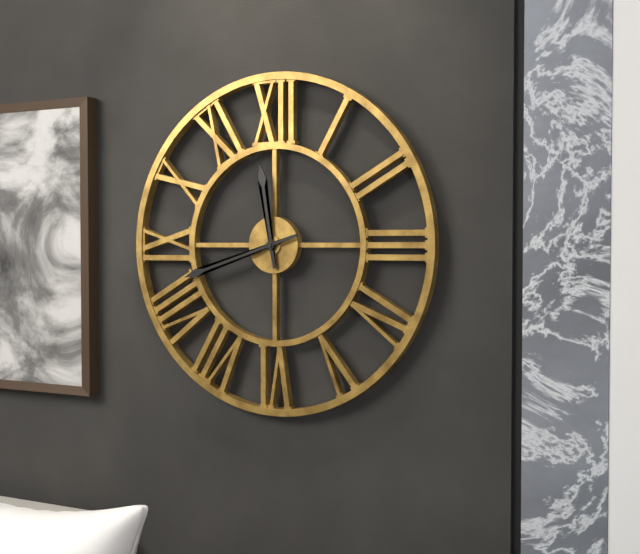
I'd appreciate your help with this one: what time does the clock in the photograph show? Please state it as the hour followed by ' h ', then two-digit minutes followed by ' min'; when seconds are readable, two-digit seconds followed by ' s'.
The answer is 11 h 42 min
